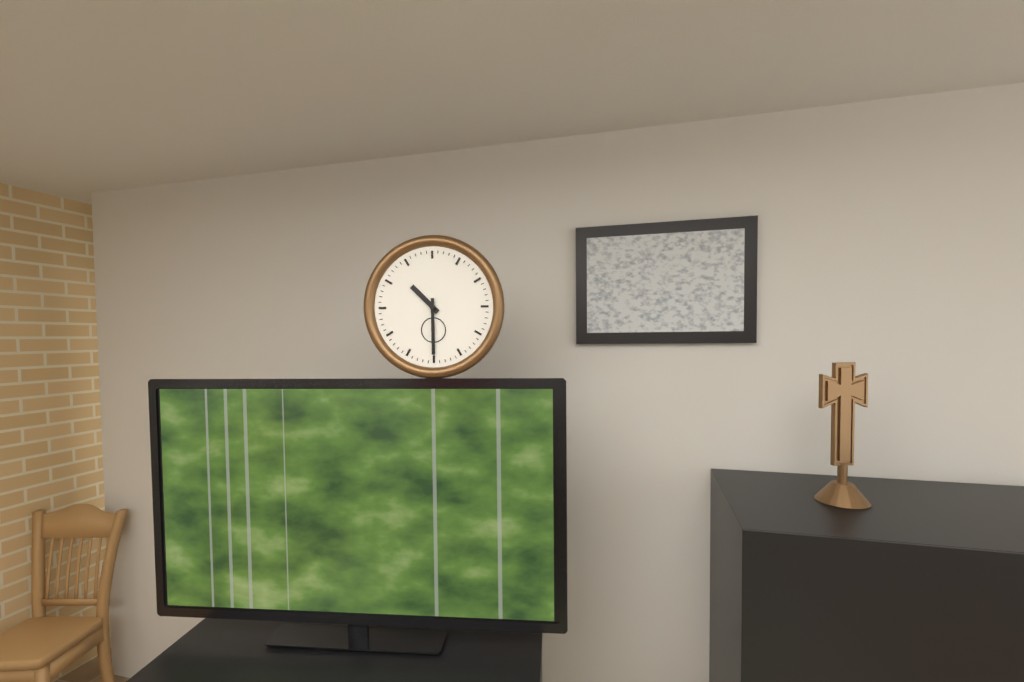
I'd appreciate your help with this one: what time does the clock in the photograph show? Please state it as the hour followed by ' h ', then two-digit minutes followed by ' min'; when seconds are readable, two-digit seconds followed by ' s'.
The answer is 10 h 30 min
